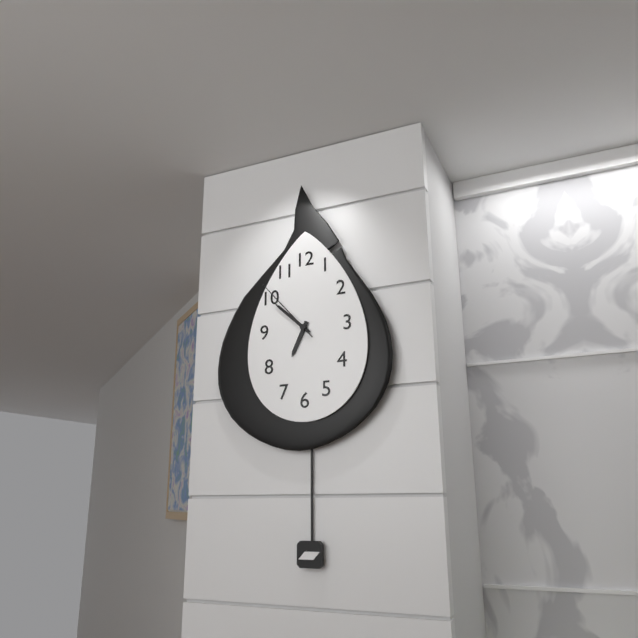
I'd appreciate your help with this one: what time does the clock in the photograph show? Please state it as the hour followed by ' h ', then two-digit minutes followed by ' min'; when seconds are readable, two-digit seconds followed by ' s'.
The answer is 6 h 52 min 53 s
